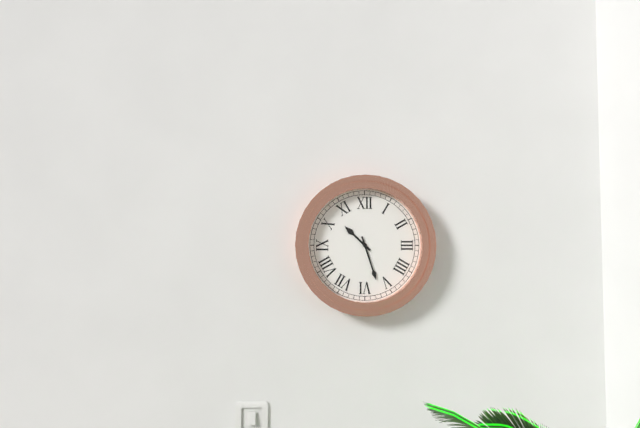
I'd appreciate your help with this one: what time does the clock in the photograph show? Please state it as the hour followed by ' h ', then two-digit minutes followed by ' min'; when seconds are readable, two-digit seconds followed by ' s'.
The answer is 10 h 27 min
